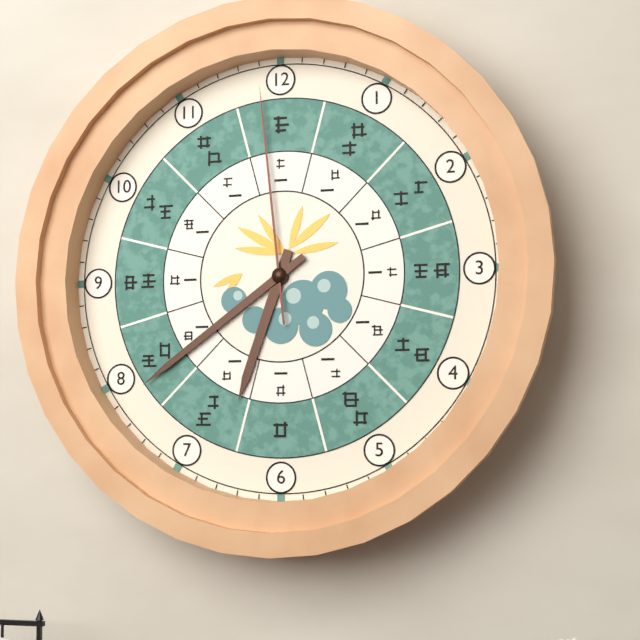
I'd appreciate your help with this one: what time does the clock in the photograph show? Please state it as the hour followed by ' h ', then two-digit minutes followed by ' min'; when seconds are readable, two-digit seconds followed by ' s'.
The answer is 6 h 39 min 59 s
